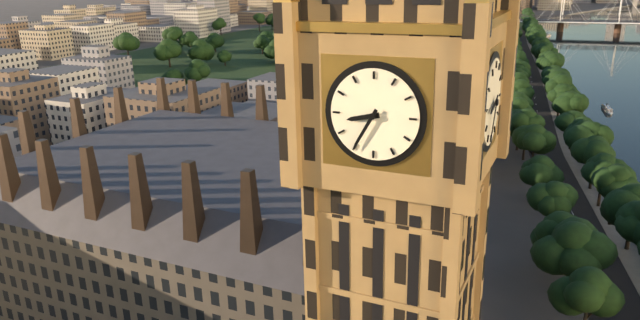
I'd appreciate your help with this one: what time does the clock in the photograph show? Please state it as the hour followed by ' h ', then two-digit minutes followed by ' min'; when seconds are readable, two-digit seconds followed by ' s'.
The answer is 8 h 35 min
